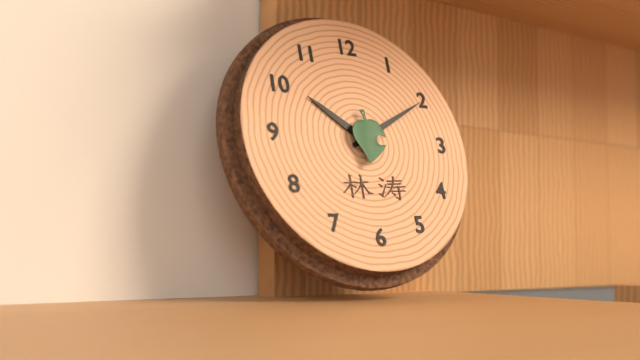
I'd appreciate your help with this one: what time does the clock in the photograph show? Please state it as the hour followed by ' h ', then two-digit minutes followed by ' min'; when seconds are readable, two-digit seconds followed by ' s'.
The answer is 10 h 10 min
